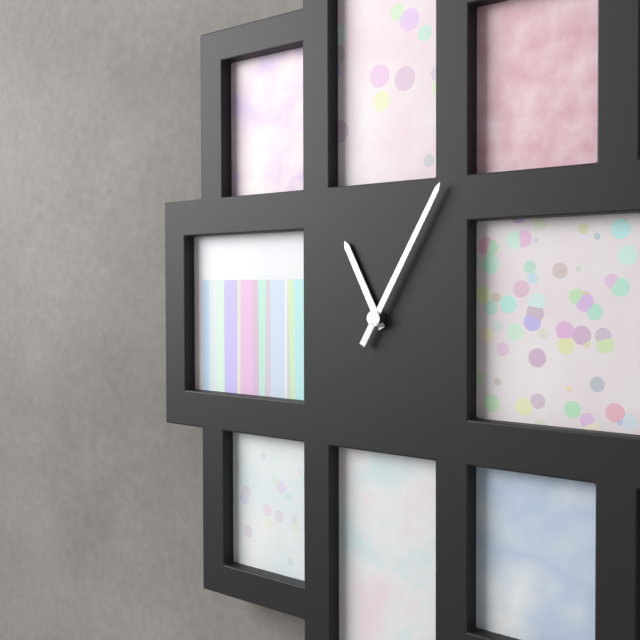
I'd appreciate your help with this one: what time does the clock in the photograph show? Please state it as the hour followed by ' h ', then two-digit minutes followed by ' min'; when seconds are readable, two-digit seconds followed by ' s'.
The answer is 11 h 05 min
